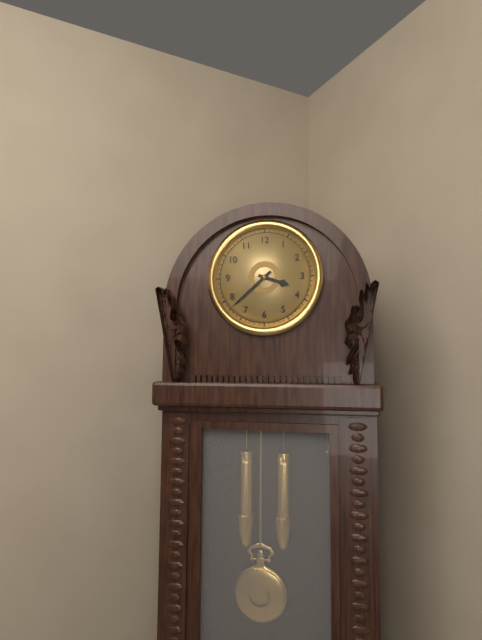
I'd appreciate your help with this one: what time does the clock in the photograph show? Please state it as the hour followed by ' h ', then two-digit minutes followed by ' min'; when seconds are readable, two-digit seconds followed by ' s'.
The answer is 3 h 38 min
